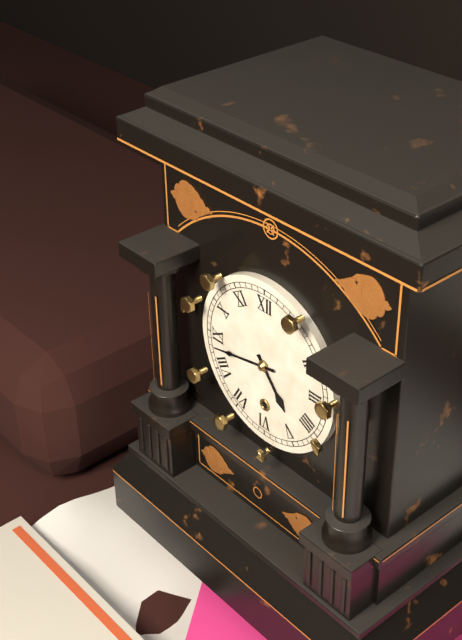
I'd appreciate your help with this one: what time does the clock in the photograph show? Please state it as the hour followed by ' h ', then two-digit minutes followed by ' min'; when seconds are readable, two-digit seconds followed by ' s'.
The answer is 4 h 43 min
